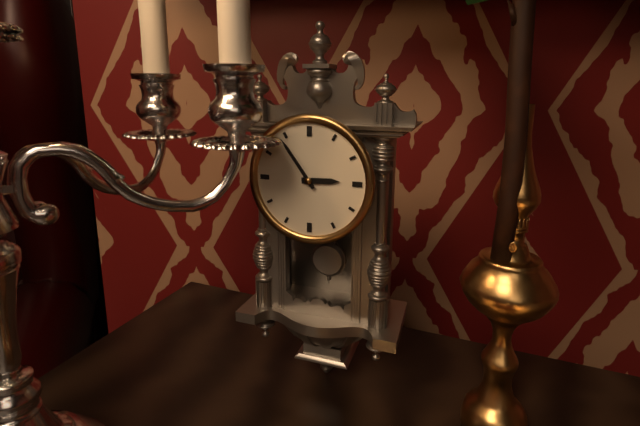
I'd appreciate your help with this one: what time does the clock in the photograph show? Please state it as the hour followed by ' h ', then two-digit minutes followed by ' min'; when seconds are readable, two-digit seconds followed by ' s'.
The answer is 2 h 54 min
